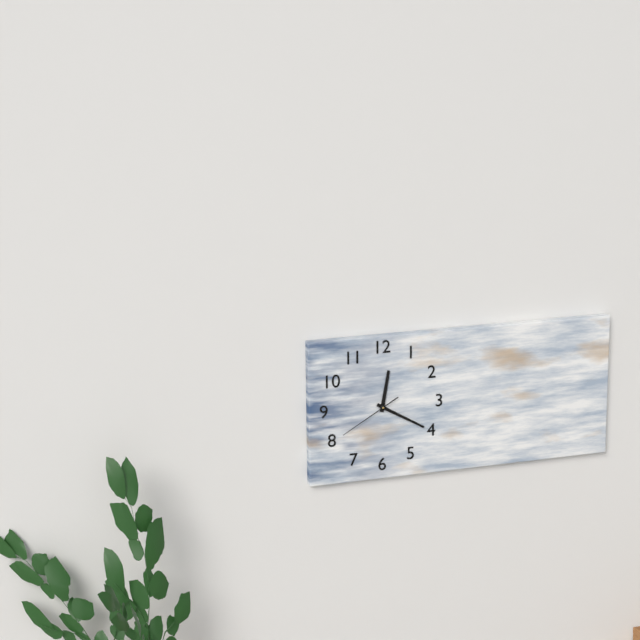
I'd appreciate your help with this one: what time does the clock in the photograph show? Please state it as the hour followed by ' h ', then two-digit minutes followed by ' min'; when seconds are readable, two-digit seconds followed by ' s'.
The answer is 12 h 20 min 40 s
